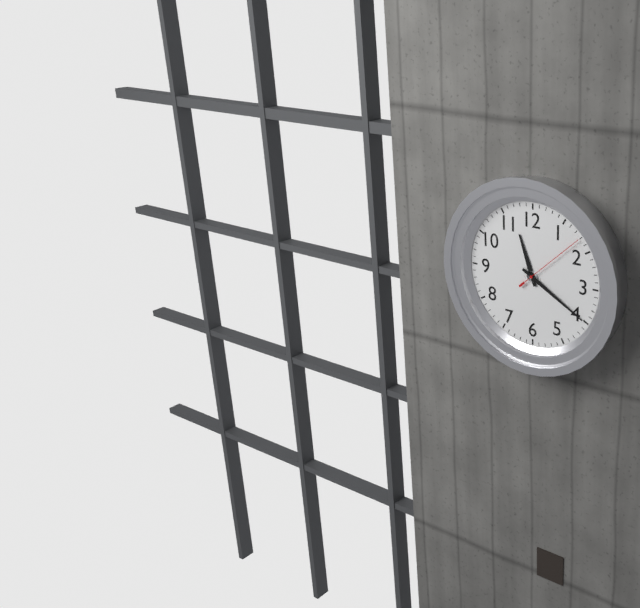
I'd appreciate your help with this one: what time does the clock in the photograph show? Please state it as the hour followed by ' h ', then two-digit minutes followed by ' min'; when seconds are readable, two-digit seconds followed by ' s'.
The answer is 11 h 20 min 08 s
